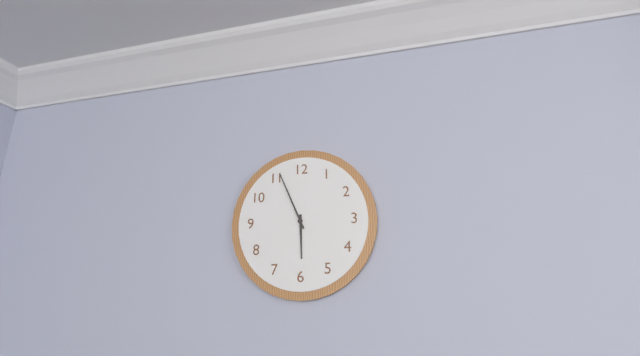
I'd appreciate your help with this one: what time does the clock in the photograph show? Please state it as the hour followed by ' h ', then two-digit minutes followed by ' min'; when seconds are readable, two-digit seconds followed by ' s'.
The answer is 5 h 56 min
